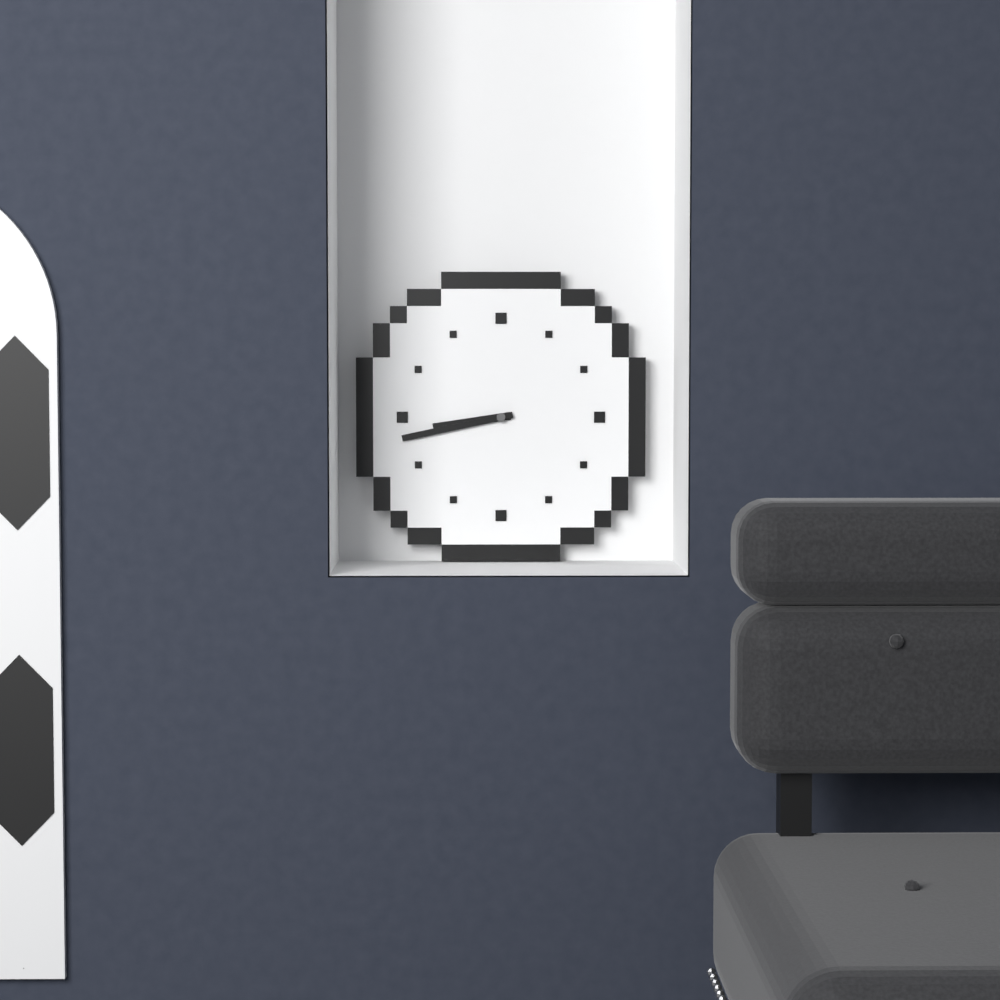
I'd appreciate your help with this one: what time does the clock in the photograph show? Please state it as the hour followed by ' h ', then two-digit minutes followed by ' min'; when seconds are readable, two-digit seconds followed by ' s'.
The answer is 8 h 43 min
